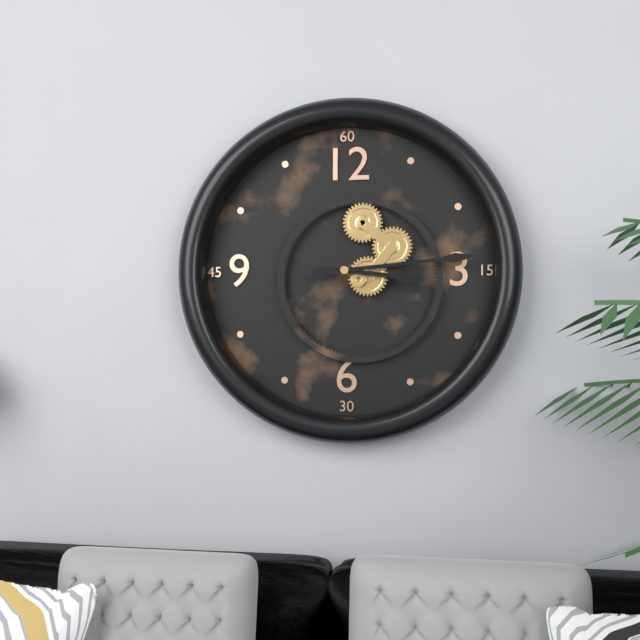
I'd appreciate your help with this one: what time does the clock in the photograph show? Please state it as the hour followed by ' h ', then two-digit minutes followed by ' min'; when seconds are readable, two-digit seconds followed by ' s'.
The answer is 3 h 14 min
